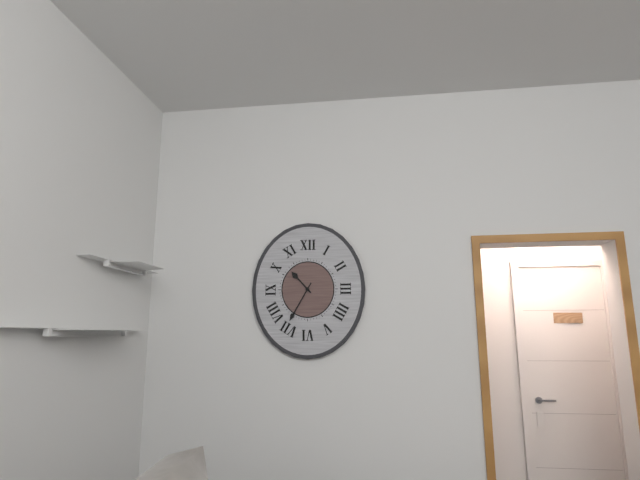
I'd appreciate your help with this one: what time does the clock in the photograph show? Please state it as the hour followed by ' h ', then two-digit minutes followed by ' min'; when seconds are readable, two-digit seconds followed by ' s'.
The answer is 10 h 35 min
